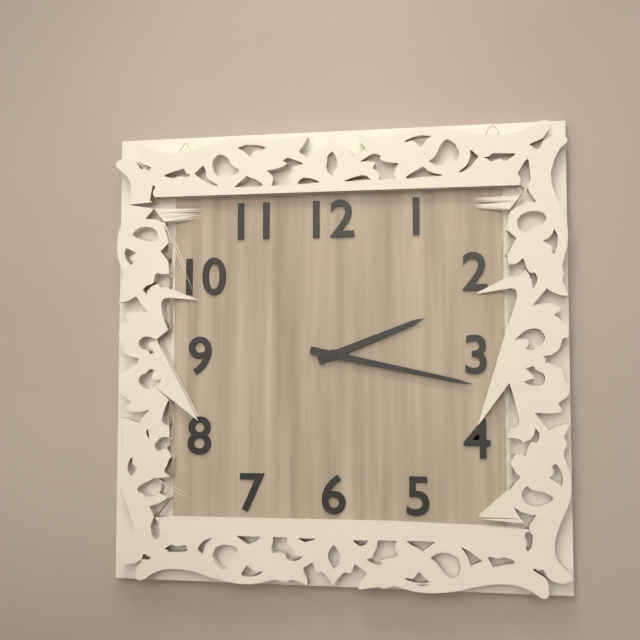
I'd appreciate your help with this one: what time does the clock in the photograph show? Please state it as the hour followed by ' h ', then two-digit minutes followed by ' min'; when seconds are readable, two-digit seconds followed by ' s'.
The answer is 2 h 17 min
